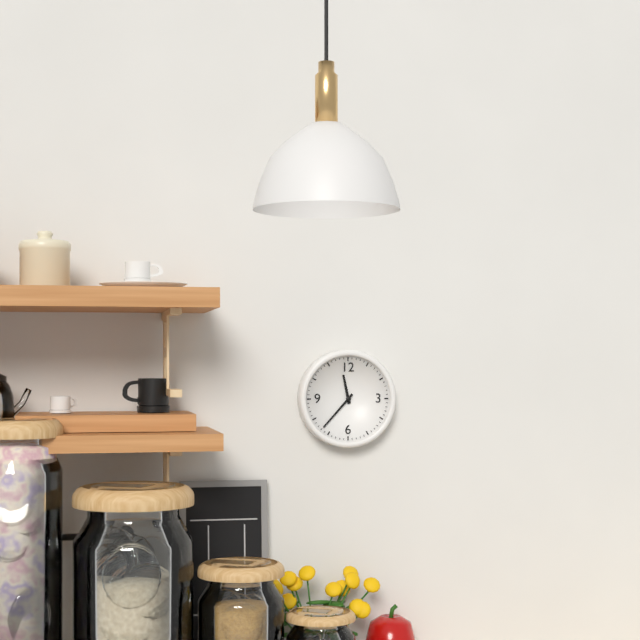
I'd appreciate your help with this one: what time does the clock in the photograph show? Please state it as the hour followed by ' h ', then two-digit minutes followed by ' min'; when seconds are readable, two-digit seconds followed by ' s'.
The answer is 11 h 37 min
